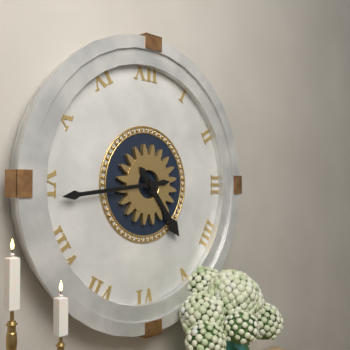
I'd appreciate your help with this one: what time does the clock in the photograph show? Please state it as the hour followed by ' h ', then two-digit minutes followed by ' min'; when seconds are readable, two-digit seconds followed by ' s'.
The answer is 4 h 44 min
